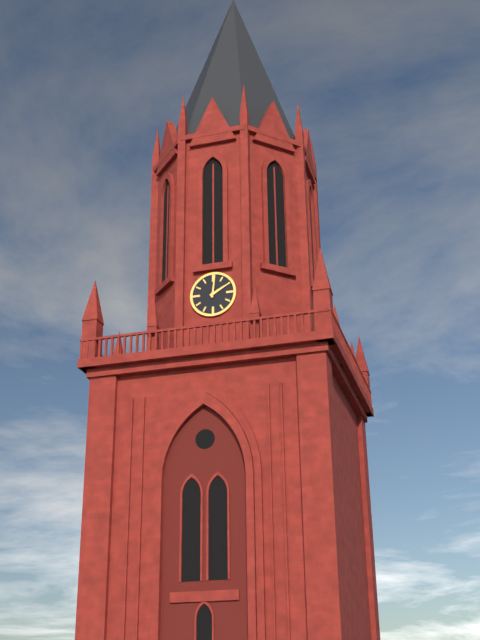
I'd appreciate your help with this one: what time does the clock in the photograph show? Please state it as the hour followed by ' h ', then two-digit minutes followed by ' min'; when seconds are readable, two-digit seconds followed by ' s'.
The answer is 2 h 01 min
